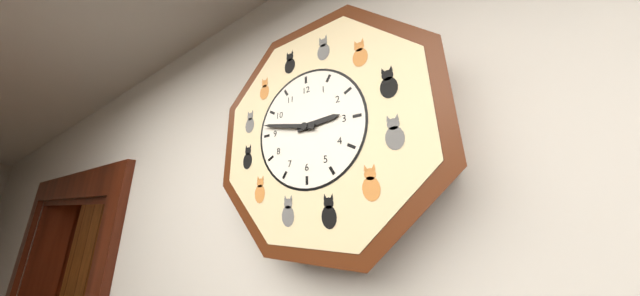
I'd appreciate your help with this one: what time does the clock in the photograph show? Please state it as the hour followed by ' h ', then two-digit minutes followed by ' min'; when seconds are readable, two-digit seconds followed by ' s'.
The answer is 2 h 47 min
